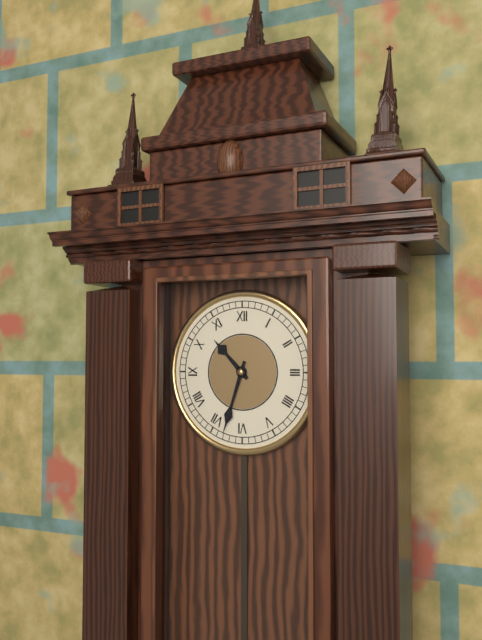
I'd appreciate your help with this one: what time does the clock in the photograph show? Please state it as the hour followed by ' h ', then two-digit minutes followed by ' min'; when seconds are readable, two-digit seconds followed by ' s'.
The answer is 10 h 33 min
